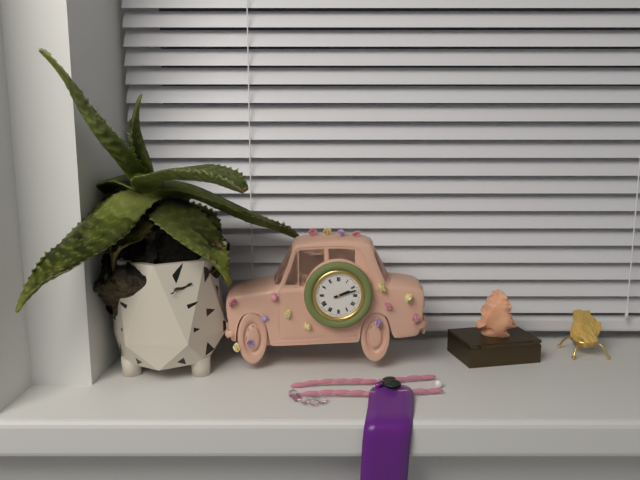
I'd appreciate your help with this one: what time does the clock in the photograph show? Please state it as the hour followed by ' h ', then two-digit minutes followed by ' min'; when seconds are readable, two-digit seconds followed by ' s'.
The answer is 2 h 12 min
